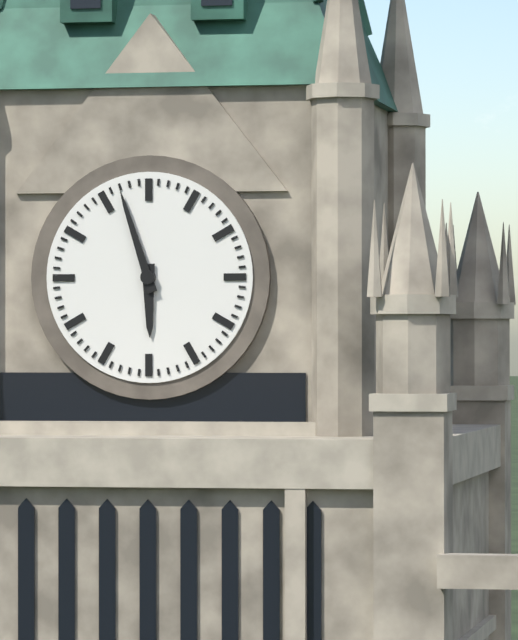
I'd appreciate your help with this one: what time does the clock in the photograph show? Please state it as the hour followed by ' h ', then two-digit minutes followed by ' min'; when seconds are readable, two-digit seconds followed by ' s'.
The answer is 5 h 57 min
